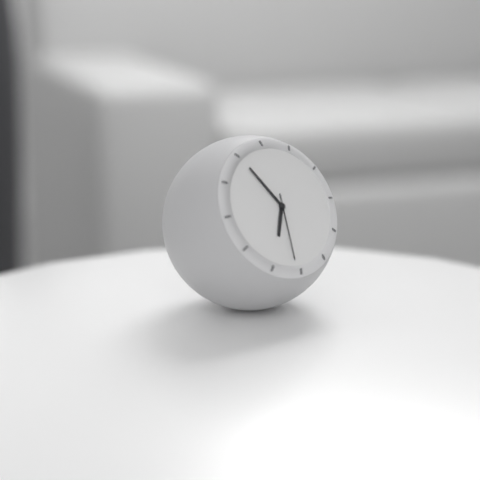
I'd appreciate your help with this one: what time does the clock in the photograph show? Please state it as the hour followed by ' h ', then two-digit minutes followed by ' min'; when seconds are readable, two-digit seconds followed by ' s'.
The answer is 6 h 55 min 31 s
